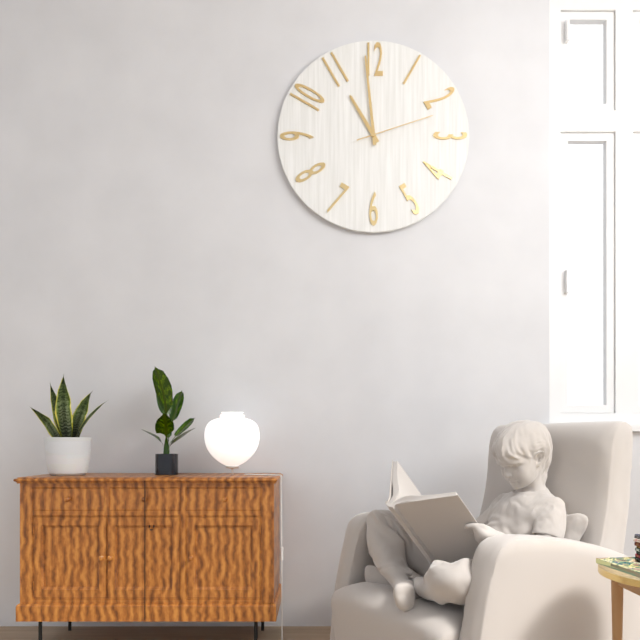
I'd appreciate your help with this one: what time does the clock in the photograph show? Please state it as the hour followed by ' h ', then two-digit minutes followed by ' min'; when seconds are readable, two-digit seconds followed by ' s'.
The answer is 10 h 59 min 12 s
